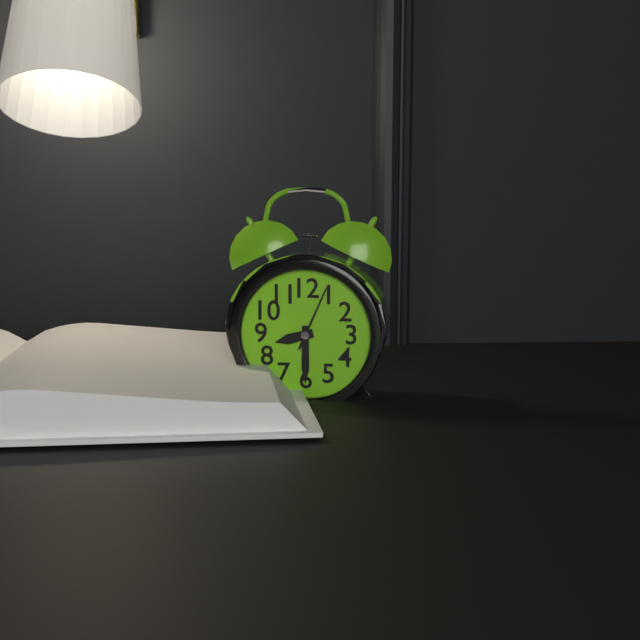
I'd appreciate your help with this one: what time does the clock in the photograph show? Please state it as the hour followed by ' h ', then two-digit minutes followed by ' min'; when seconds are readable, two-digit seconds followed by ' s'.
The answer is 8 h 30 min 04 s
